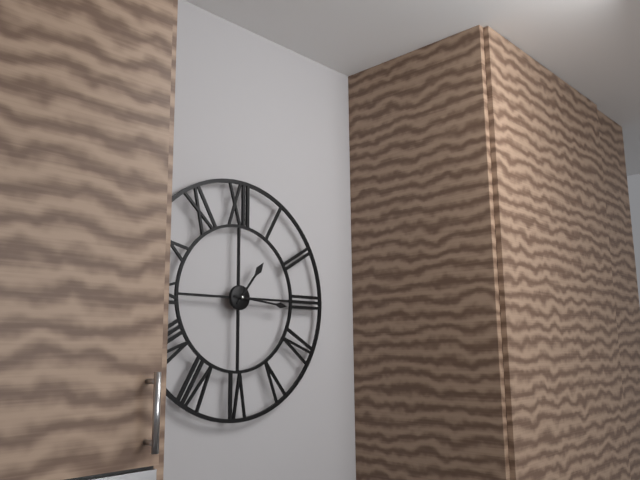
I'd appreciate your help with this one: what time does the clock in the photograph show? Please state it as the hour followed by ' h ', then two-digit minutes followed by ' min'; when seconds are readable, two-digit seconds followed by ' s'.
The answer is 1 h 16 min
